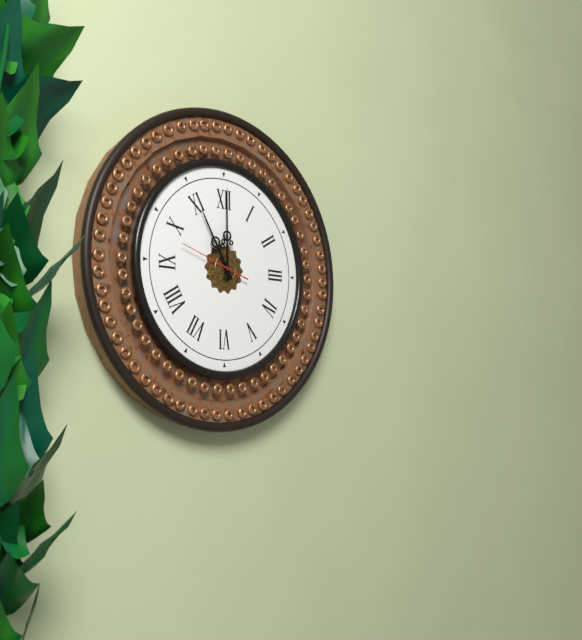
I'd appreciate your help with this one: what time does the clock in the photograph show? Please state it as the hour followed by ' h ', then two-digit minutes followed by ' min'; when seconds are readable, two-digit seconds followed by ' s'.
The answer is 11 h 00 min 48 s
